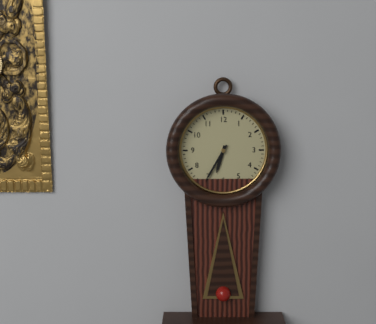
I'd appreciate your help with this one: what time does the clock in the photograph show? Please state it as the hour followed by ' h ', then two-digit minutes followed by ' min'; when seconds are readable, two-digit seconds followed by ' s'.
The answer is 6 h 35 min
